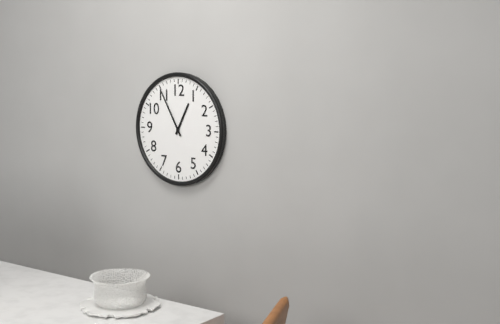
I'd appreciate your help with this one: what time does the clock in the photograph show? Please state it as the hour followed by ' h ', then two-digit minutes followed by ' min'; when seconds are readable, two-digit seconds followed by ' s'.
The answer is 12 h 55 min
